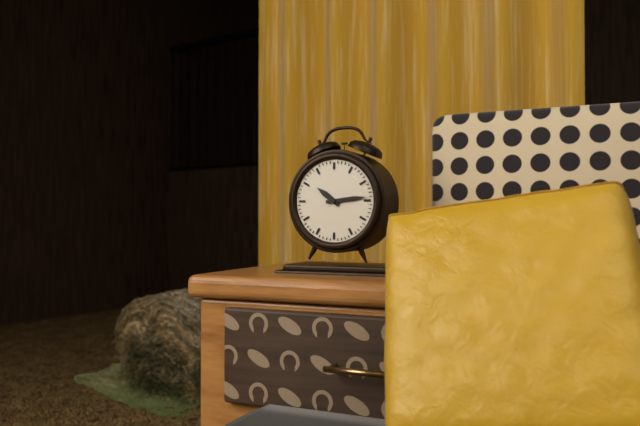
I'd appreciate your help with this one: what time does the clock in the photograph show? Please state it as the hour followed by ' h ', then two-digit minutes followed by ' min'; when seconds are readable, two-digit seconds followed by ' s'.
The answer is 10 h 14 min
